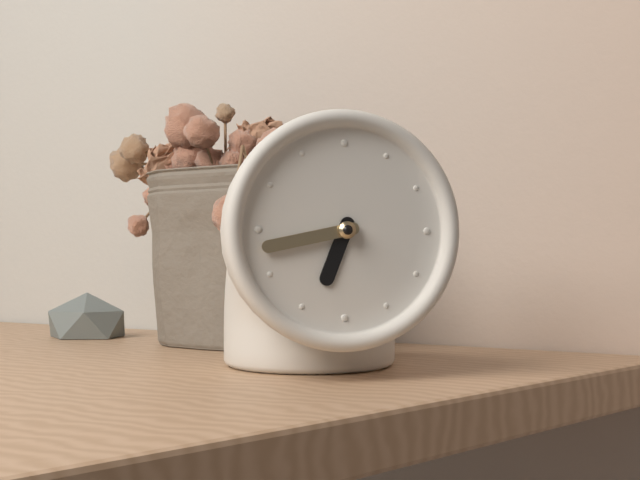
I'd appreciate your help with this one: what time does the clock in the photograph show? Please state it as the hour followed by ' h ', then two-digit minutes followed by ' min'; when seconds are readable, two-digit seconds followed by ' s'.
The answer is 6 h 43 min
